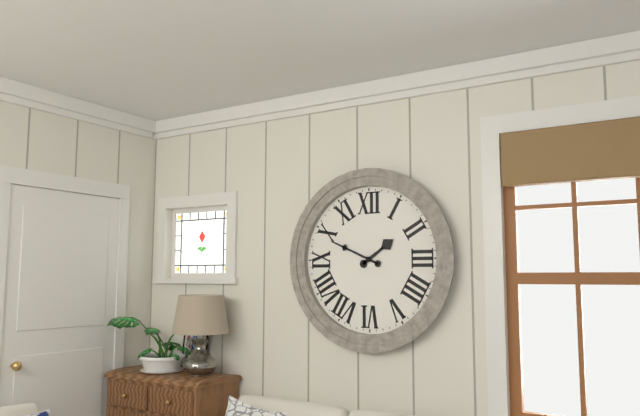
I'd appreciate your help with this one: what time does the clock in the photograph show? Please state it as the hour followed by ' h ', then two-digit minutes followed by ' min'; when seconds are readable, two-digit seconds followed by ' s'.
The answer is 1 h 49 min
